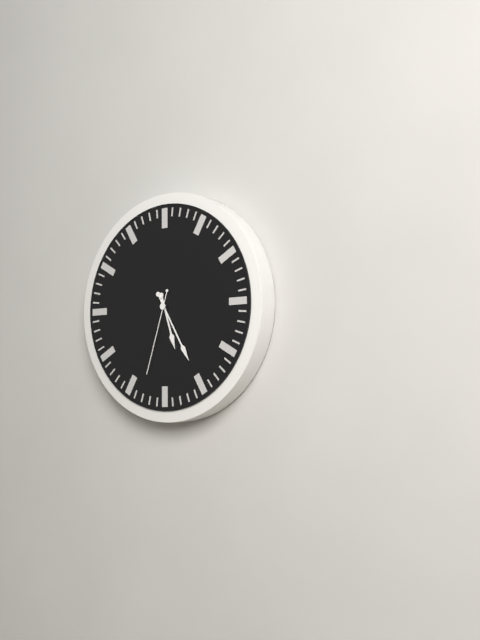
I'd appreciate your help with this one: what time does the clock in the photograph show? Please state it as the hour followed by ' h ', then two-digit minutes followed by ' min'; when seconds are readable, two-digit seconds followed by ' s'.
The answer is 5 h 25 min 33 s
